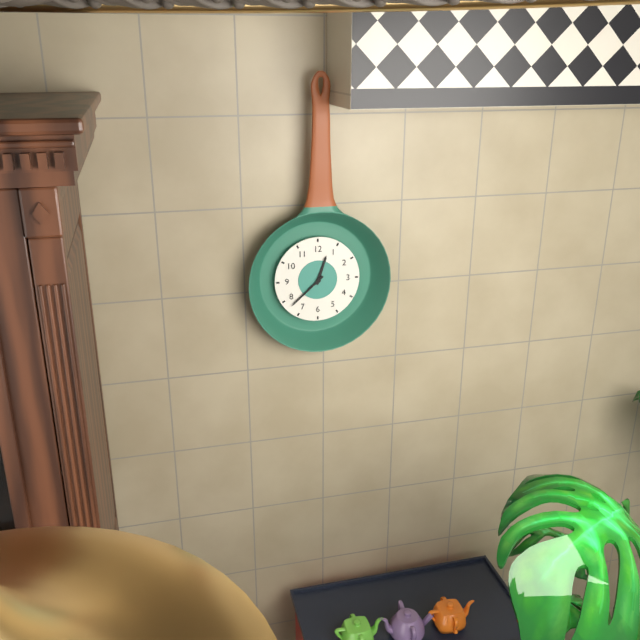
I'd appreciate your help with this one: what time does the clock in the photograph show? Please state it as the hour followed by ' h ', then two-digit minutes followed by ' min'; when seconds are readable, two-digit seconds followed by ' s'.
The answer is 12 h 38 min
